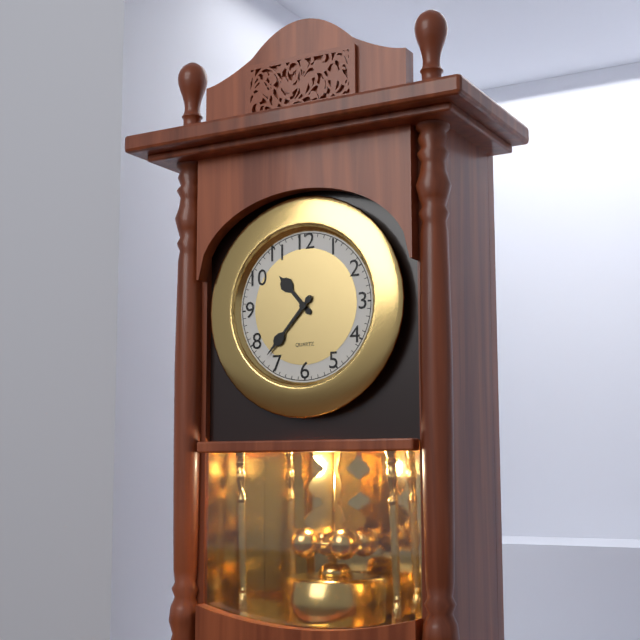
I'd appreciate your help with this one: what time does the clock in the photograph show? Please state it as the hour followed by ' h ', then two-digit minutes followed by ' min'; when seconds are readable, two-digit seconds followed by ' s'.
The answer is 10 h 37 min
